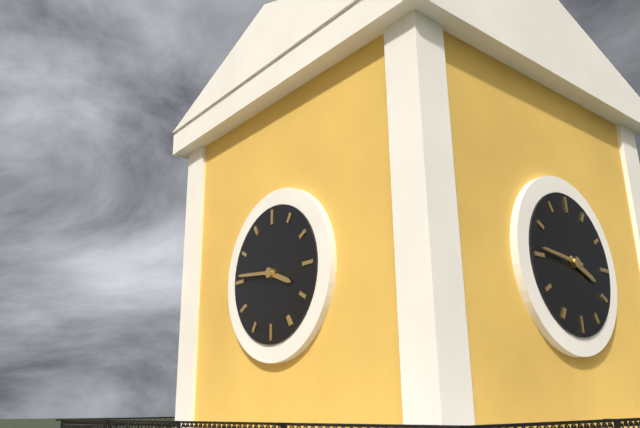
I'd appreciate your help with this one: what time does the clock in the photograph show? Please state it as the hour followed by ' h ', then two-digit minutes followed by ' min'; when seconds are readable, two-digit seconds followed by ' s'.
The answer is 3 h 46 min
